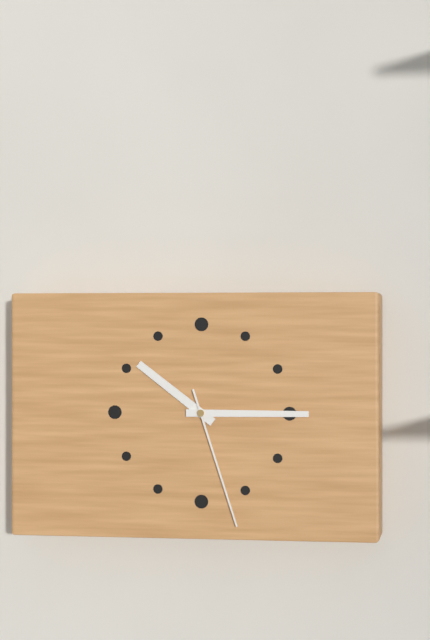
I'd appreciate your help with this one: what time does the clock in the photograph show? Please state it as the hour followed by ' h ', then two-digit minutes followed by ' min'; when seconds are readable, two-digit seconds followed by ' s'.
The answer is 10 h 15 min 27 s
